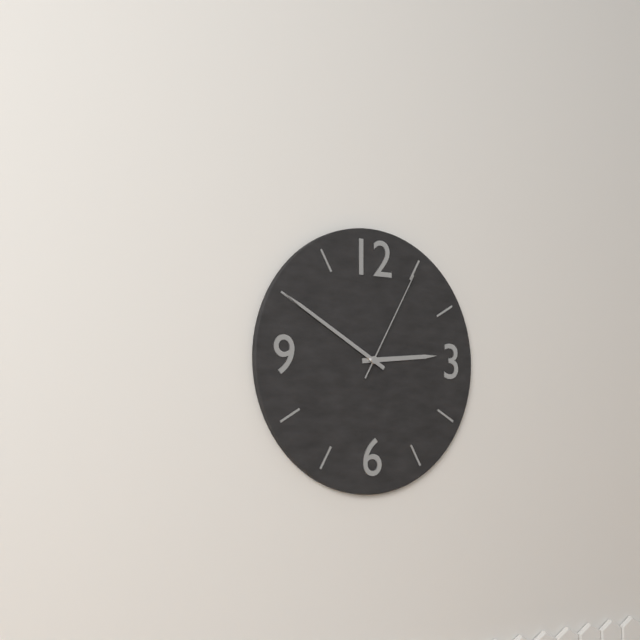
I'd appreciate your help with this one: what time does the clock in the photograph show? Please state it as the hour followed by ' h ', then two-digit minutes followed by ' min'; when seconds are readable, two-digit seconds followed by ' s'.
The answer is 2 h 50 min 05 s
